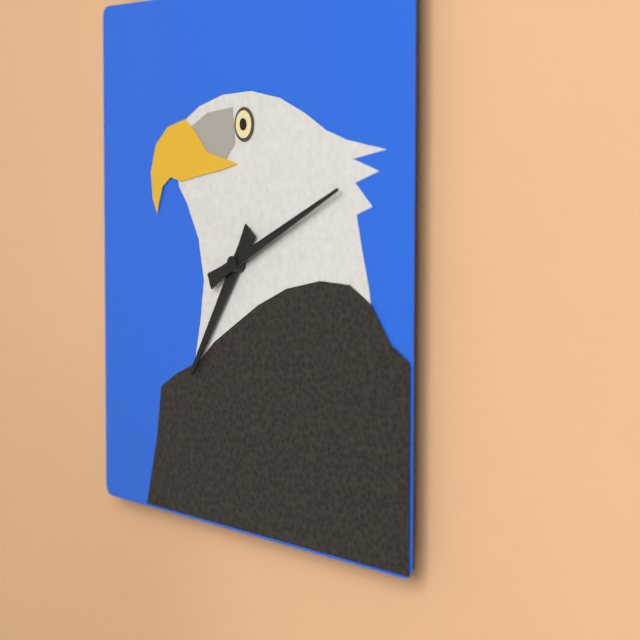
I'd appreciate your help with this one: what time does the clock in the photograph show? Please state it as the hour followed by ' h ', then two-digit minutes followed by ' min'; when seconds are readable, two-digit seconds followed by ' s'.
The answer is 7 h 11 min
